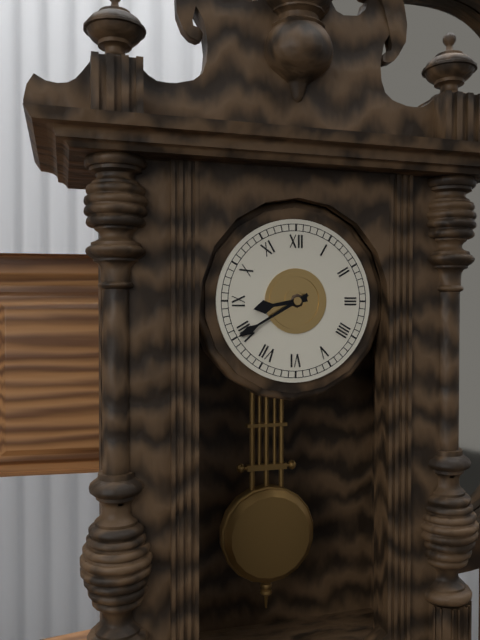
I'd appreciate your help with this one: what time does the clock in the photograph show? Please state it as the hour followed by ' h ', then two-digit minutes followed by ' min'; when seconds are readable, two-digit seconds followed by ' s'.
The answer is 8 h 40 min
